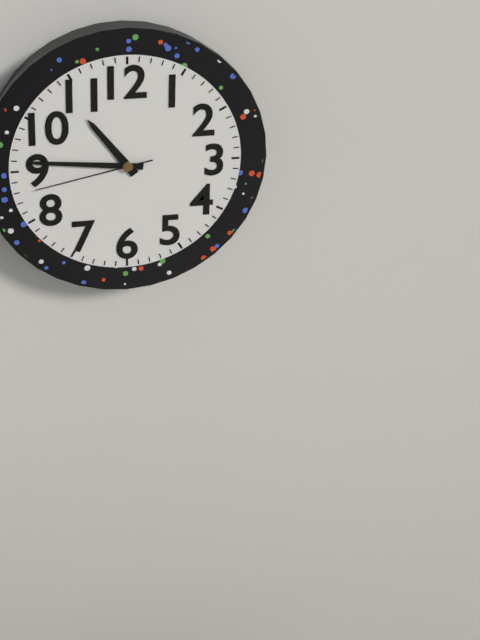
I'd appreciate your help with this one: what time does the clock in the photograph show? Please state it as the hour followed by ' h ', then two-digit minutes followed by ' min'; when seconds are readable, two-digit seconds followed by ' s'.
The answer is 10 h 46 min 43 s
